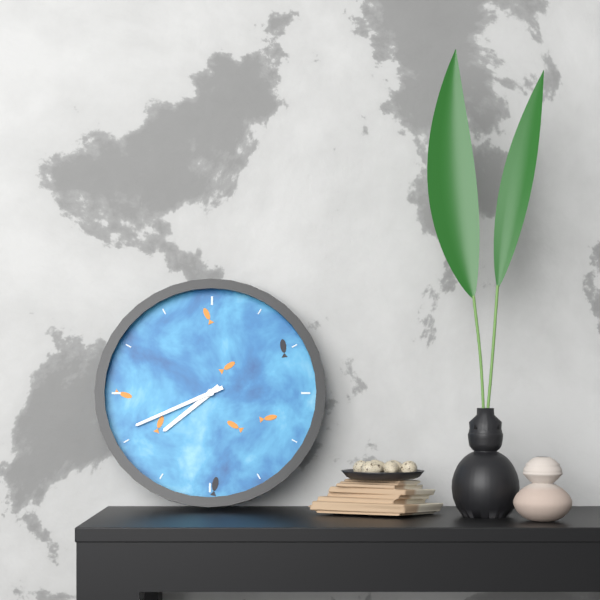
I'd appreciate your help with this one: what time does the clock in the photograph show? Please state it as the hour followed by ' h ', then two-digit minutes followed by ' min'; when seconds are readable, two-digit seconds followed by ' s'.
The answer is 7 h 41 min
